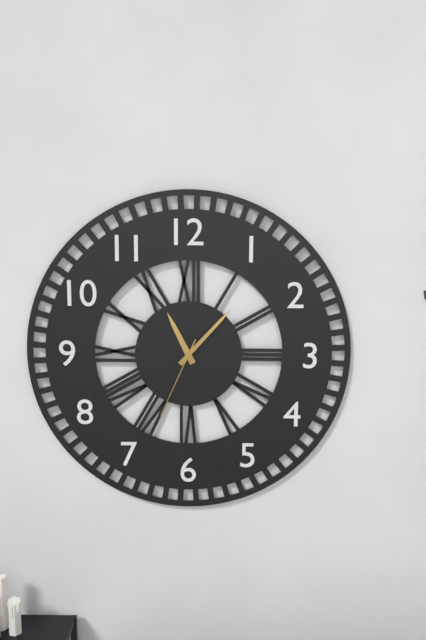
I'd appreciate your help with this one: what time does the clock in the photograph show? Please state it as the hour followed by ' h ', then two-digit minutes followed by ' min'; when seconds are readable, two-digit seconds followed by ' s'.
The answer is 11 h 07 min 34 s
